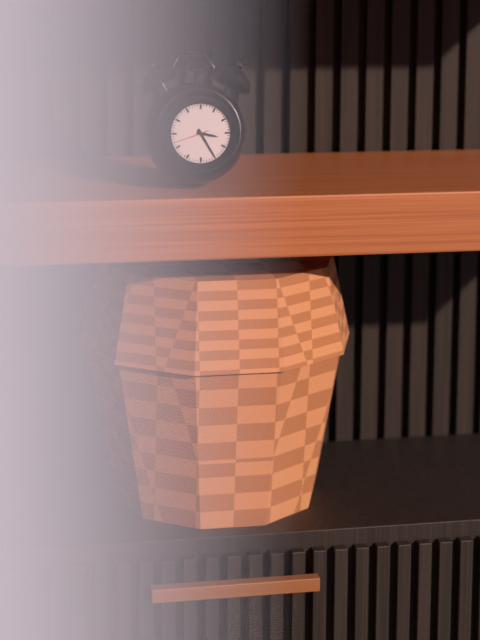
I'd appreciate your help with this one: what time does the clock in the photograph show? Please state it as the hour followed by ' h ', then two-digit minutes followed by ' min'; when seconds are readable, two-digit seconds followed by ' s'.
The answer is 3 h 25 min
